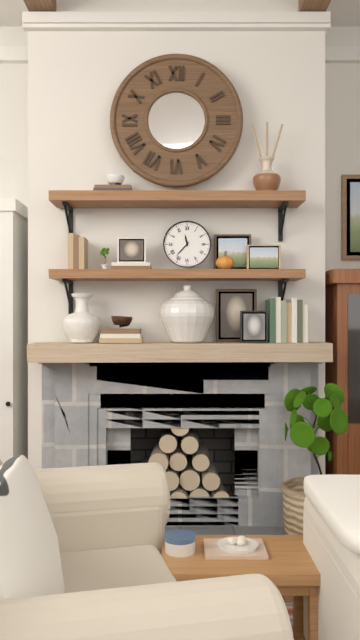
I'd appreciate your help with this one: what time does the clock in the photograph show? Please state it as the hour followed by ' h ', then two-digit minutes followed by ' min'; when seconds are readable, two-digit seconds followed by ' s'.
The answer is 11 h 37 min
